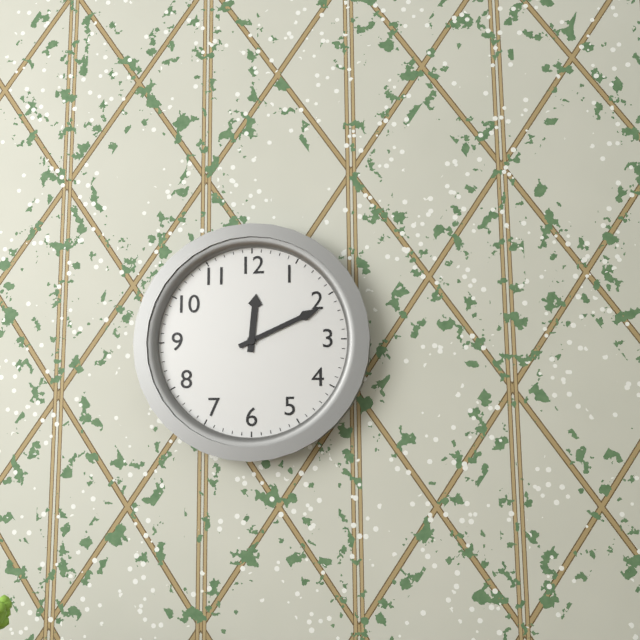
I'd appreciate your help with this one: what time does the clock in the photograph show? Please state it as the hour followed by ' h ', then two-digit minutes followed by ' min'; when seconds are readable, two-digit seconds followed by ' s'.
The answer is 12 h 11 min
